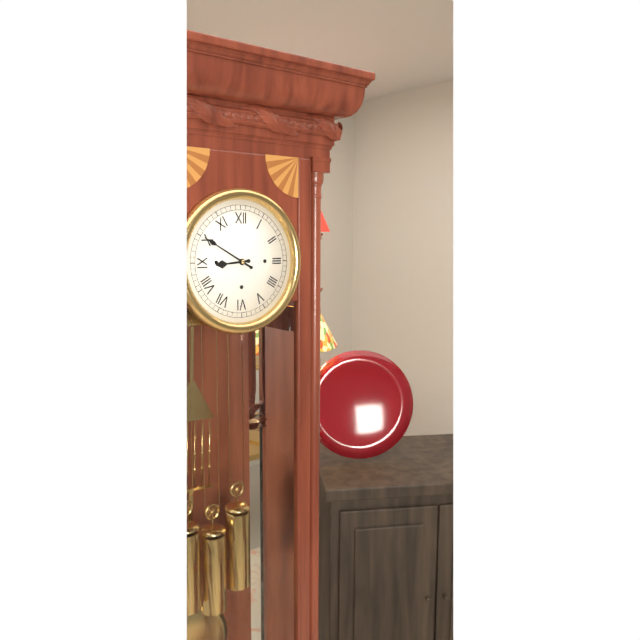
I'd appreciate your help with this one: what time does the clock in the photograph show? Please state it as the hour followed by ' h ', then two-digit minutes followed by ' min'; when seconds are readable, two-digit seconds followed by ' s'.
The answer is 8 h 50 min
